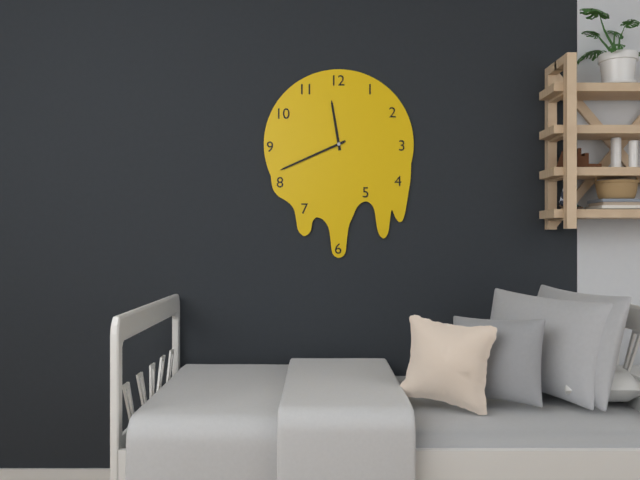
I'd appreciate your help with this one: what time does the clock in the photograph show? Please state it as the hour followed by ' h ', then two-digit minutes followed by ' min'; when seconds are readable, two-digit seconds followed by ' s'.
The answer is 11 h 41 min
